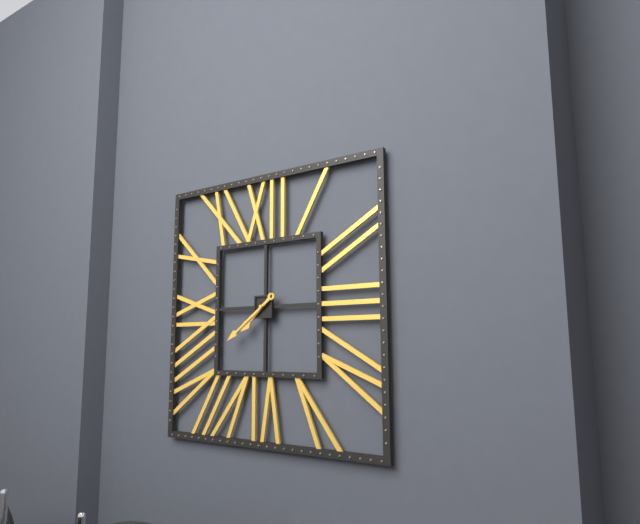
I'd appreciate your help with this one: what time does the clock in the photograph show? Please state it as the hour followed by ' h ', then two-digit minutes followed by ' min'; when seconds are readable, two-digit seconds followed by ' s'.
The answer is 7 h 39 min
